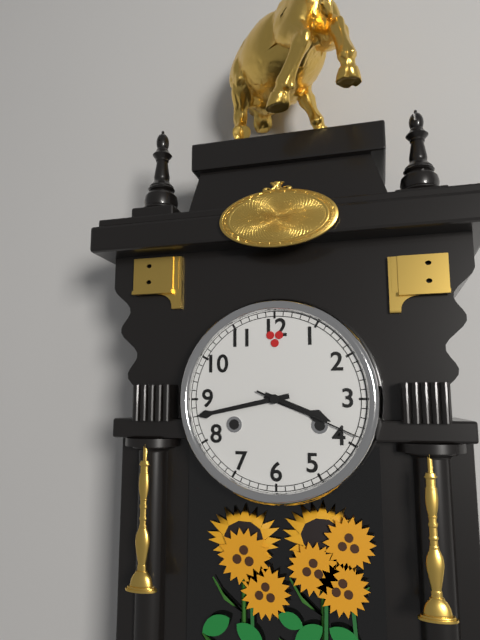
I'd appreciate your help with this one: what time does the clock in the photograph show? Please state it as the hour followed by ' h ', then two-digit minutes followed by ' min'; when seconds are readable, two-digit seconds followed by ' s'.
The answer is 3 h 43 min 19 s
